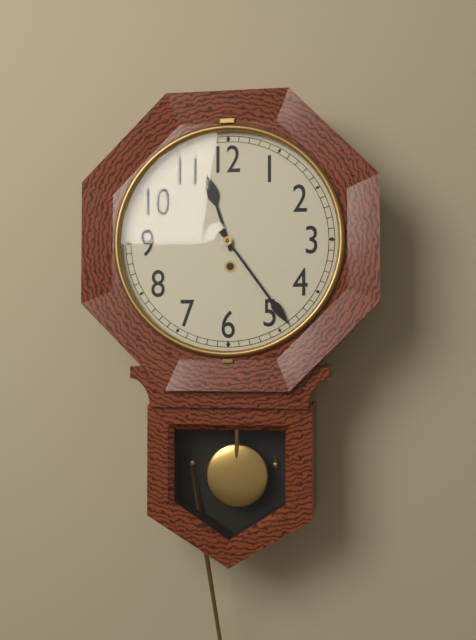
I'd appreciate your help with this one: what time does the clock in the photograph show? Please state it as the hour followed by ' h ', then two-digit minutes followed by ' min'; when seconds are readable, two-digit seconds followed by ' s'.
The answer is 11 h 24 min
